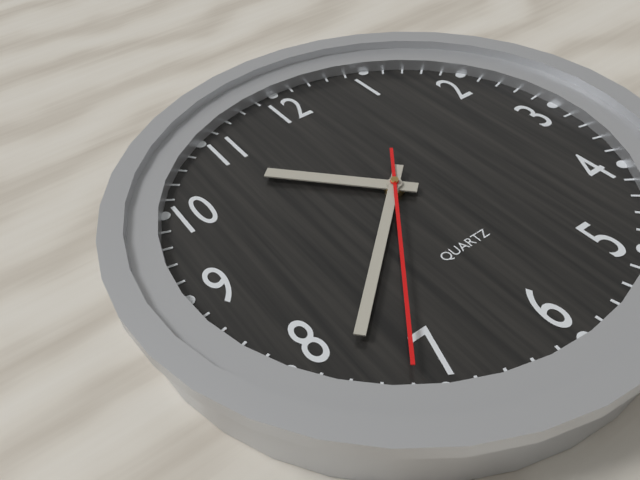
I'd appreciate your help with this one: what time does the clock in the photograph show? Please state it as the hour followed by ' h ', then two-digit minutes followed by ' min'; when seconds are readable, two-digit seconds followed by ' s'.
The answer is 10 h 38 min 36 s
